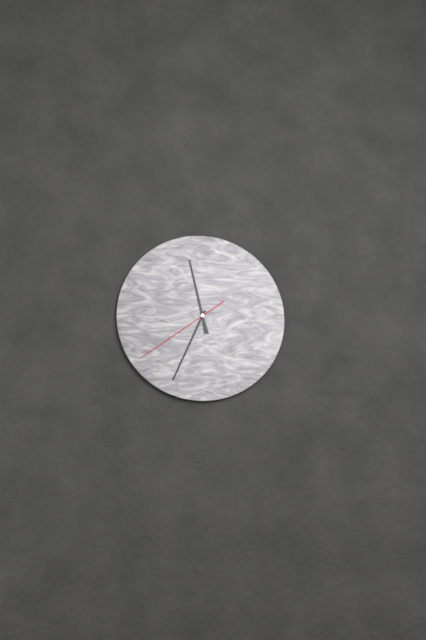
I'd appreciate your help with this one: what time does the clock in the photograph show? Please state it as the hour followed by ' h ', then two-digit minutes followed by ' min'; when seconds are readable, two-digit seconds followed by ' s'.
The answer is 11 h 34 min 39 s
